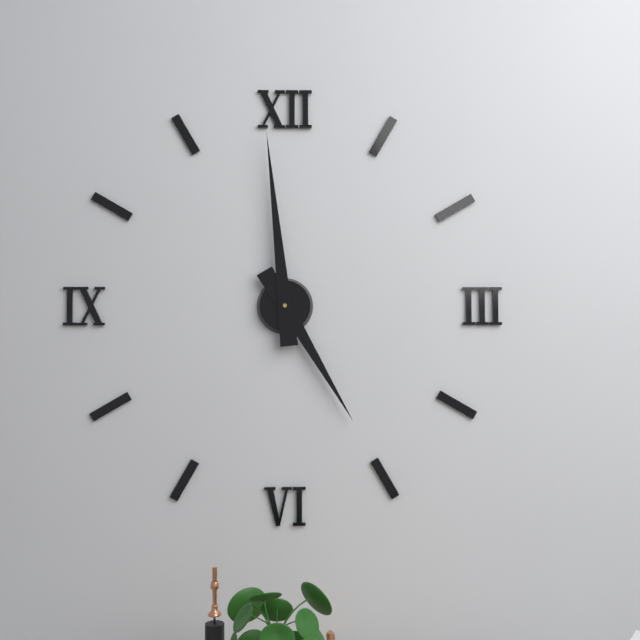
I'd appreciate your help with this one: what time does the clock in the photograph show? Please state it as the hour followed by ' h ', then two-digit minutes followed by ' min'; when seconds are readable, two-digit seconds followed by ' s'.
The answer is 4 h 59 min
